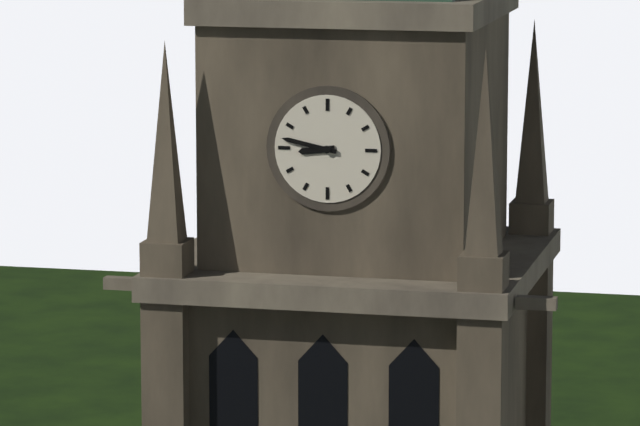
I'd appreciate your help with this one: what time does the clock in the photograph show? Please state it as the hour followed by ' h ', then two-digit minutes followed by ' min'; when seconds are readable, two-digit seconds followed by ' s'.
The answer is 8 h 47 min
